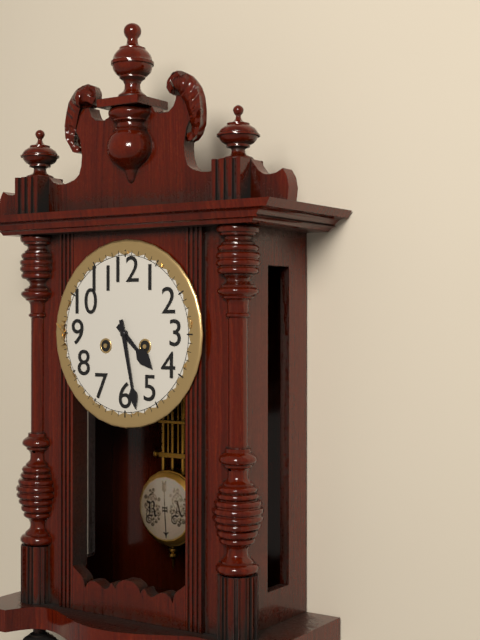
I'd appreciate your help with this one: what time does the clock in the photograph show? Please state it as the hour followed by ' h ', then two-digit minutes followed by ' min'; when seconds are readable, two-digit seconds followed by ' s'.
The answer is 4 h 28 min
